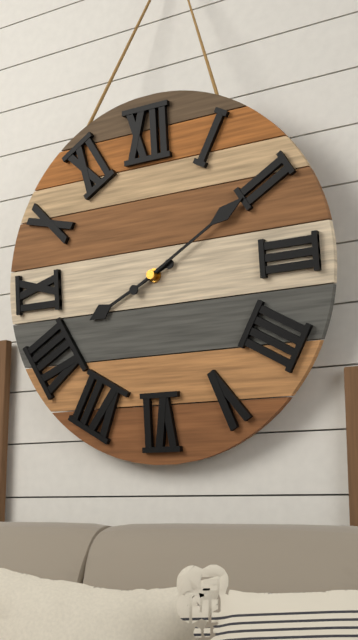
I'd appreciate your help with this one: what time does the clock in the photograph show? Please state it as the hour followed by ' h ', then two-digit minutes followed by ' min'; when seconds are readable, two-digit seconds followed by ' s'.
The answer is 8 h 10 min
